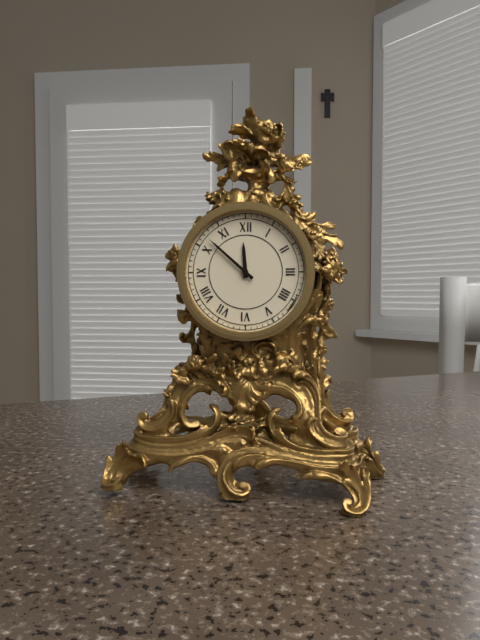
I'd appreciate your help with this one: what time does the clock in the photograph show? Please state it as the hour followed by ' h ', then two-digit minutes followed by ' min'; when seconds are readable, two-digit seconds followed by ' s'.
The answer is 11 h 52 min
